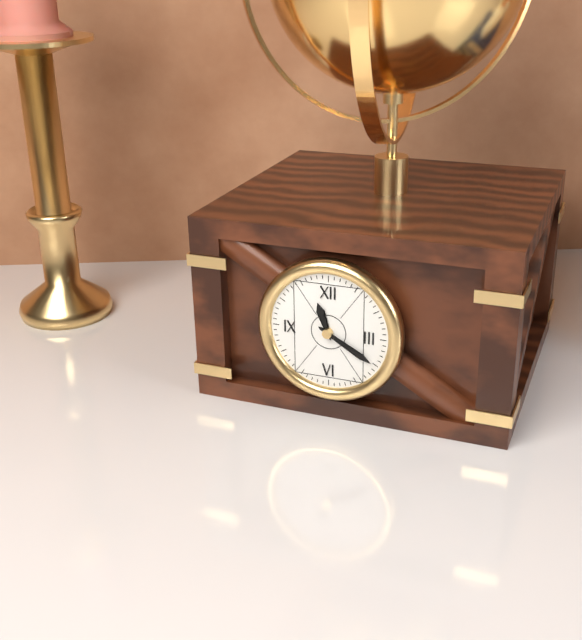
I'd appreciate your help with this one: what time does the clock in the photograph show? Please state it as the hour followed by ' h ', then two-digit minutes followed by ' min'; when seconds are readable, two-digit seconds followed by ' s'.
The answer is 11 h 20 min
